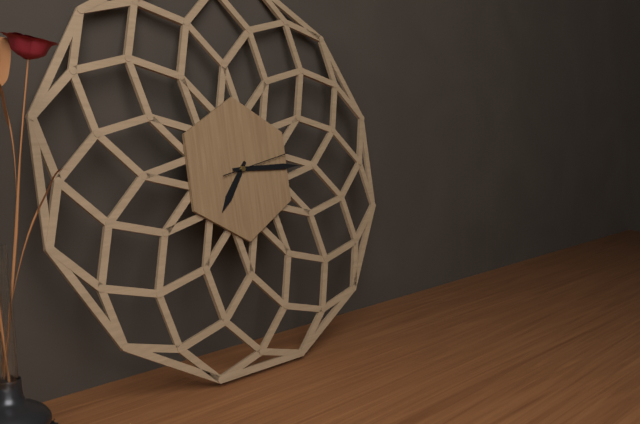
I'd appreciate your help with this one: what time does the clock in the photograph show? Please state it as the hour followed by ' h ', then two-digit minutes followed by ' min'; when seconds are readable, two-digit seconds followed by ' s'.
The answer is 7 h 15 min 13 s
